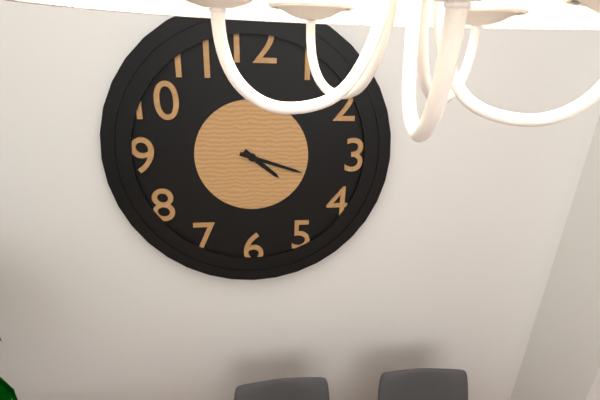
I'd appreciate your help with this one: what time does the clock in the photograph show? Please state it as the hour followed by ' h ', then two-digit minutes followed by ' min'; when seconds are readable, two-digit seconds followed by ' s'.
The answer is 4 h 18 min
